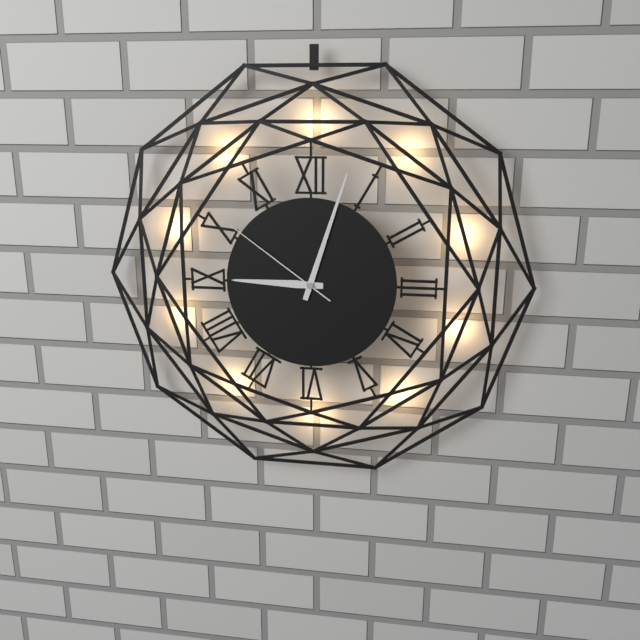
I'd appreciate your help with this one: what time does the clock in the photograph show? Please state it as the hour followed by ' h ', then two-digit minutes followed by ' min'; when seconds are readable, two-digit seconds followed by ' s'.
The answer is 9 h 03 min 51 s
